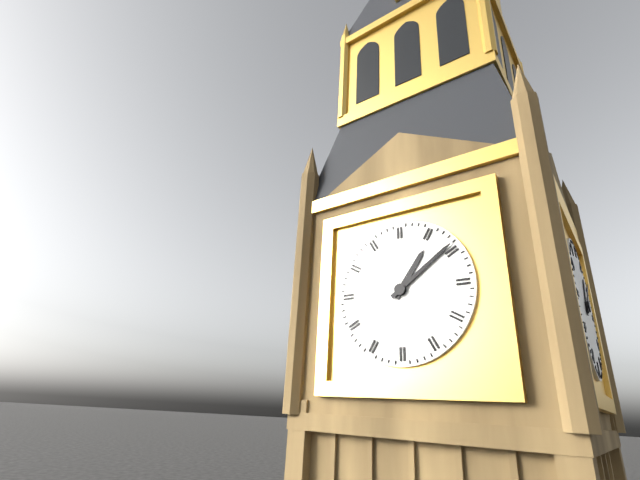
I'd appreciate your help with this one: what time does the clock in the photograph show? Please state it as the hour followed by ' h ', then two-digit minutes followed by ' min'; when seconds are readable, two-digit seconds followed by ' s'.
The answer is 1 h 09 min
